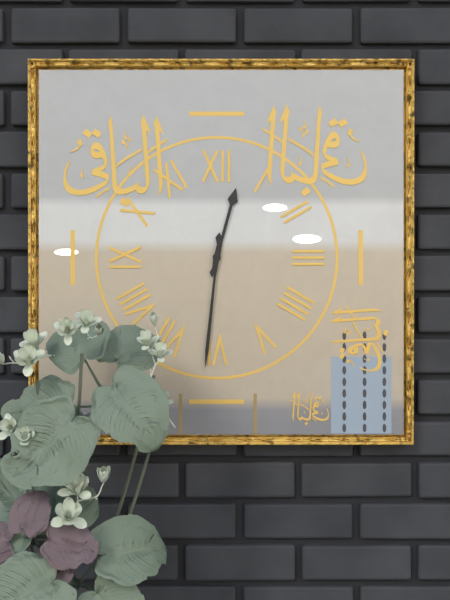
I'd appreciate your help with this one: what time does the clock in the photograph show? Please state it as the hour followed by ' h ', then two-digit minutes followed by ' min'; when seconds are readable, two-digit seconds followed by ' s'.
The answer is 12 h 31 min
